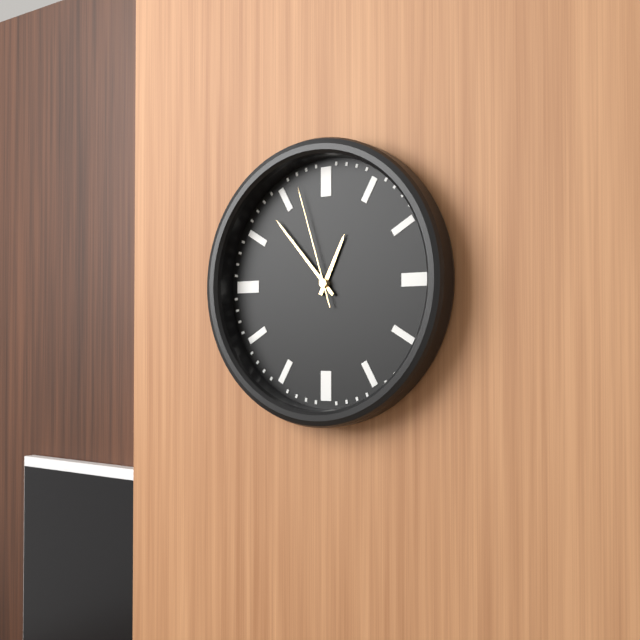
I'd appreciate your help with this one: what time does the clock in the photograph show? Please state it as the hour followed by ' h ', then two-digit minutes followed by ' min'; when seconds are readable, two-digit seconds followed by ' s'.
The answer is 12 h 53 min 57 s
